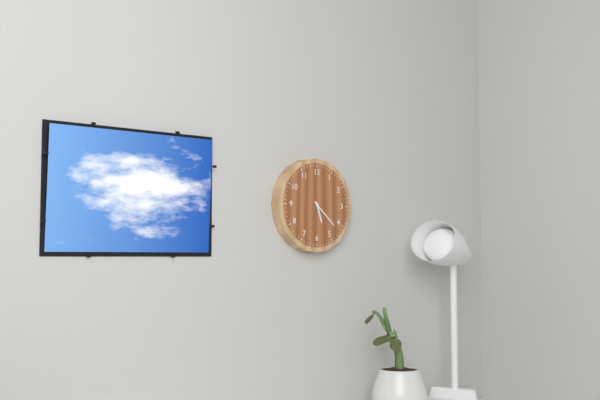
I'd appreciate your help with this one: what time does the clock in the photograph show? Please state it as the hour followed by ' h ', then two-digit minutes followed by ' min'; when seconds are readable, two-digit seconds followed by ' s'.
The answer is 5 h 22 min
